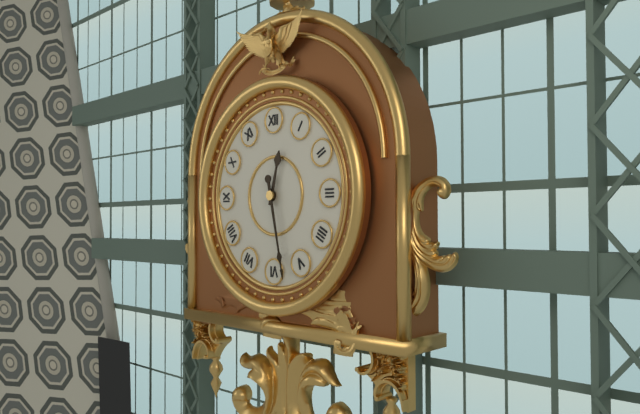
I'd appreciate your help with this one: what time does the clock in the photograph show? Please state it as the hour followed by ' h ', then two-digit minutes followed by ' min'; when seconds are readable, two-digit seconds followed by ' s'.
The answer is 12 h 28 min
